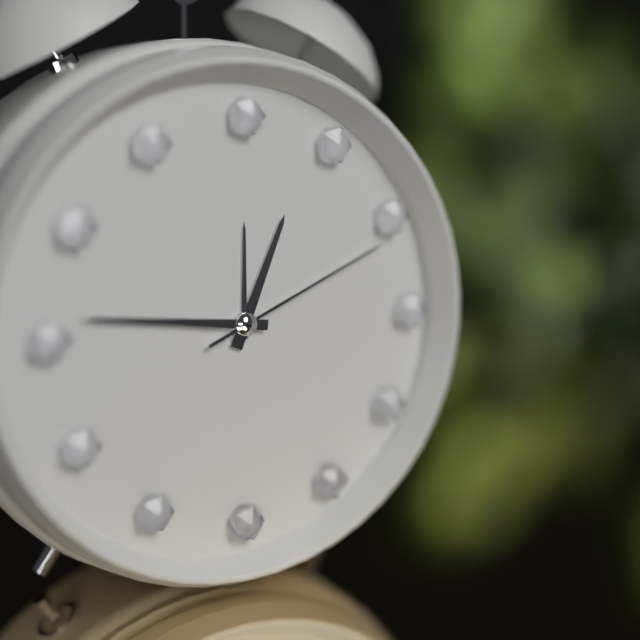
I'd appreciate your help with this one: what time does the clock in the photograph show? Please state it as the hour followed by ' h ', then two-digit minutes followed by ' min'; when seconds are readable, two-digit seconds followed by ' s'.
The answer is 12 h 46 min 11 s
